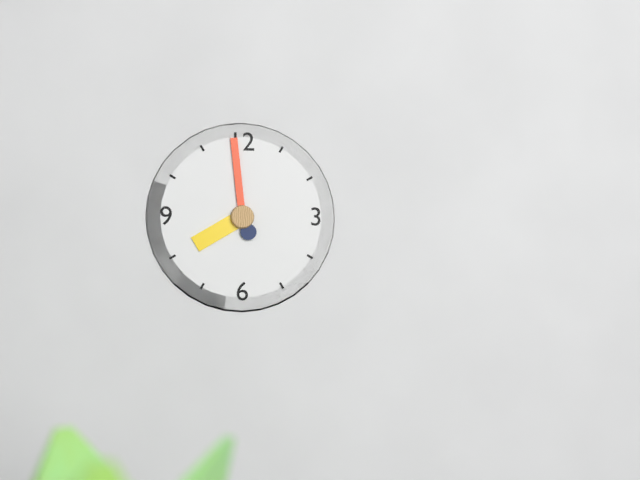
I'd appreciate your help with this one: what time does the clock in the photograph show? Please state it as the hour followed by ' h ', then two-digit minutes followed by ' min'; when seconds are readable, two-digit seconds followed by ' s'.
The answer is 7 h 59 min
